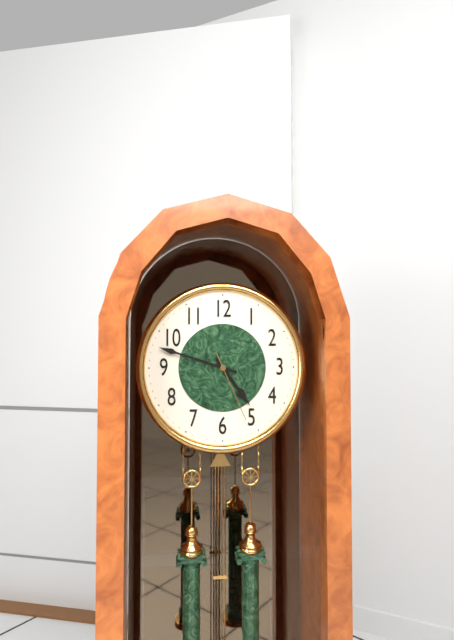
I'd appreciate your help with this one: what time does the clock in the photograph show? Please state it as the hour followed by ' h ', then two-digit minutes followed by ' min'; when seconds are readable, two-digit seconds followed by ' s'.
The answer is 4 h 48 min 26 s
